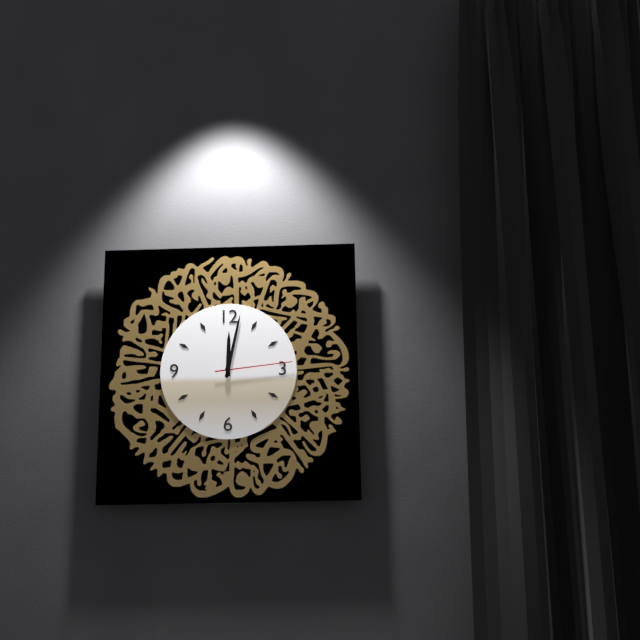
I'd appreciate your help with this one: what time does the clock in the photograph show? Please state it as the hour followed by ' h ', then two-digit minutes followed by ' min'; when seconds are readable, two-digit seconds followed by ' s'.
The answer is 12 h 02 min 14 s
